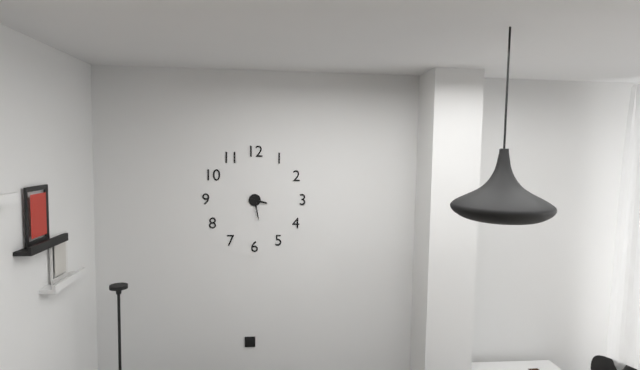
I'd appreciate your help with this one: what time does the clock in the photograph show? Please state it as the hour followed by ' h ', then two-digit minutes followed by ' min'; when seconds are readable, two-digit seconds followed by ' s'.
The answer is 3 h 28 min
